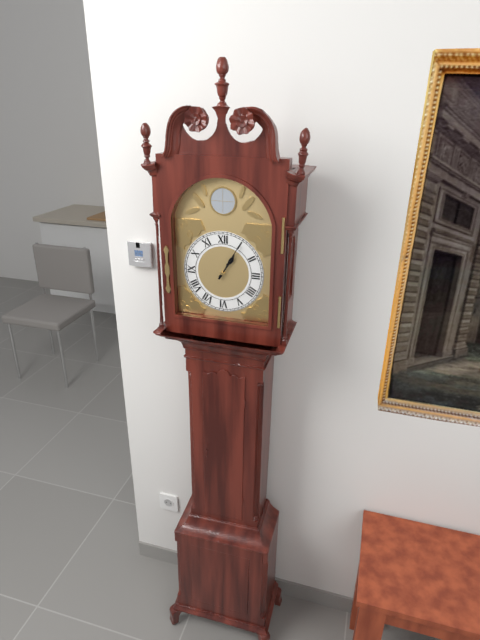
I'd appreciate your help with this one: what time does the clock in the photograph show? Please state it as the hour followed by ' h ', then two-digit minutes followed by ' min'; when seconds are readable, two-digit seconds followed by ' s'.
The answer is 1 h 05 min
